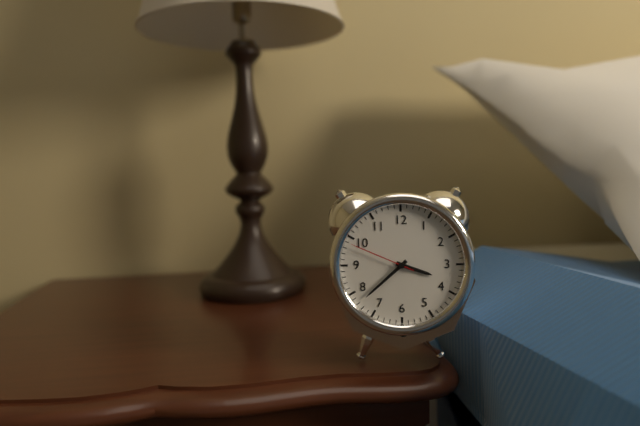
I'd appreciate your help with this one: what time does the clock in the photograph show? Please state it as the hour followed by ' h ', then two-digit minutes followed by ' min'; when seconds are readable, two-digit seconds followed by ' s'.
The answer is 3 h 38 min 49 s
